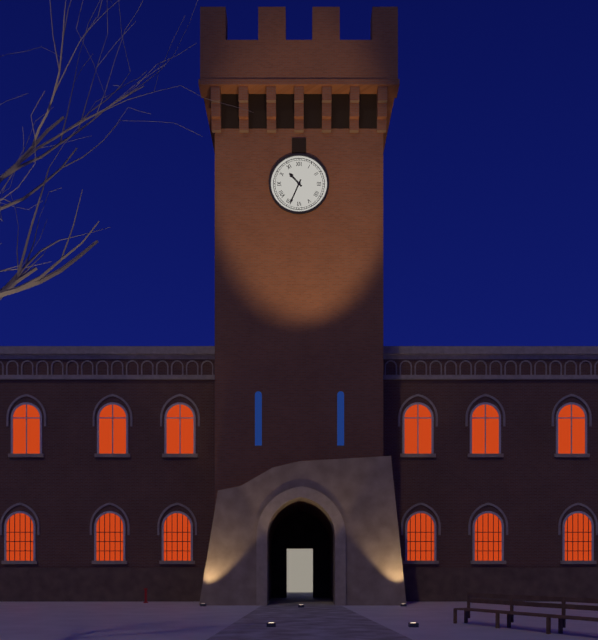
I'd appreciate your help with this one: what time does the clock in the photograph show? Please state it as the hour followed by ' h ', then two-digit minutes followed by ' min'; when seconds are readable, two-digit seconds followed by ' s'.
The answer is 10 h 34 min
